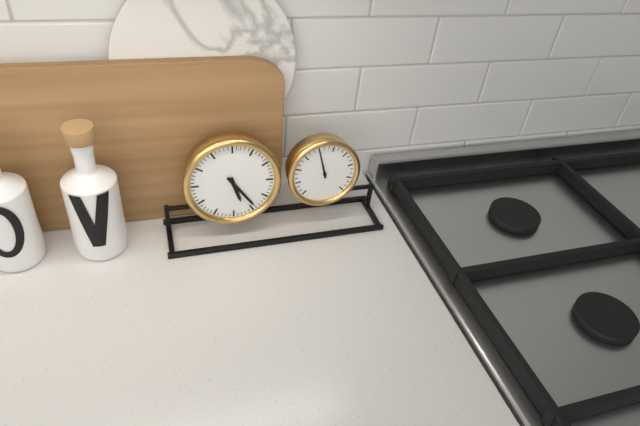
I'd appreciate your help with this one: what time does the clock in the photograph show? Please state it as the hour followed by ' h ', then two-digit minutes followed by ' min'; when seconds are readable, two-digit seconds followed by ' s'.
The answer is 5 h 24 min
